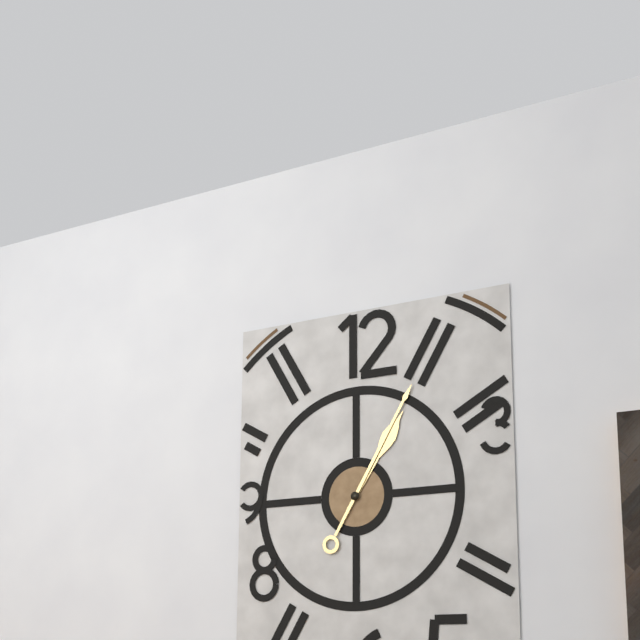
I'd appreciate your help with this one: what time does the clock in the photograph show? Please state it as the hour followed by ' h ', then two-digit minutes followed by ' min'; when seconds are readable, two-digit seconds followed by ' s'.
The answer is 1 h 05 min
